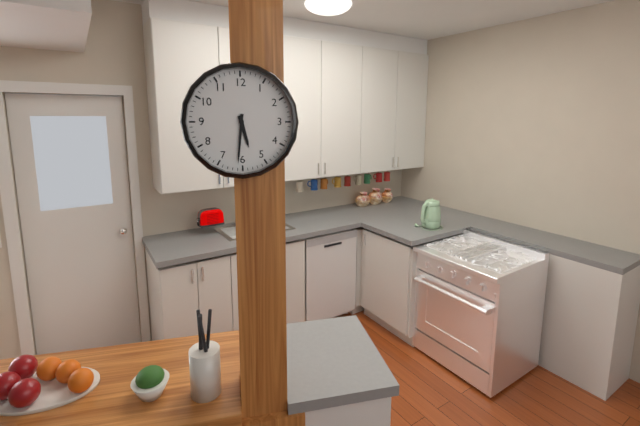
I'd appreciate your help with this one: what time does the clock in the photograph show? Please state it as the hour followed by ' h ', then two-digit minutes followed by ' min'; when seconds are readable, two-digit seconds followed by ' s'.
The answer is 5 h 31 min
